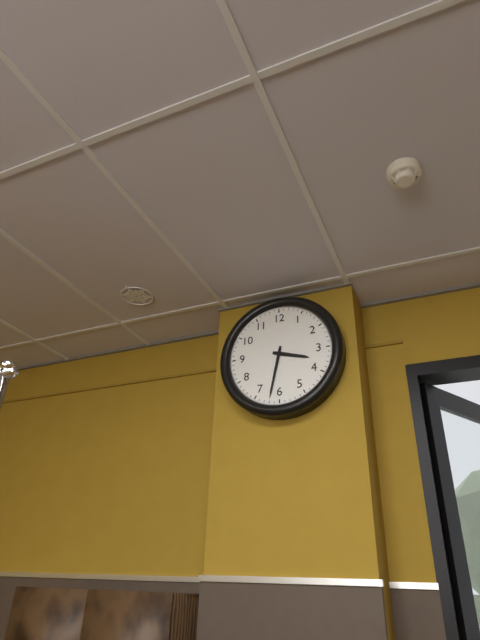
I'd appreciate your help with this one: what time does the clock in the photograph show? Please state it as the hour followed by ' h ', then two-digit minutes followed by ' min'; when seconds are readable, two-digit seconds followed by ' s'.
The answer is 3 h 32 min
